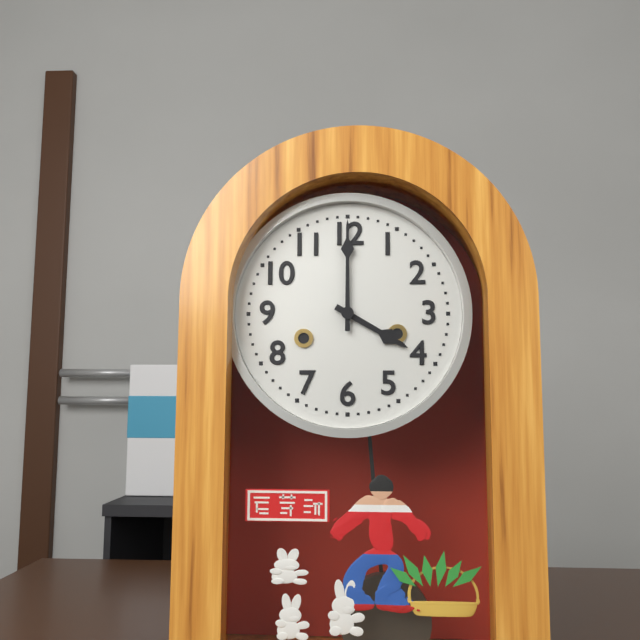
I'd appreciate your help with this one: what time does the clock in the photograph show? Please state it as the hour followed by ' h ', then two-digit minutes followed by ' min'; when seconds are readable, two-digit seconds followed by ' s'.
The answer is 4 h 00 min
